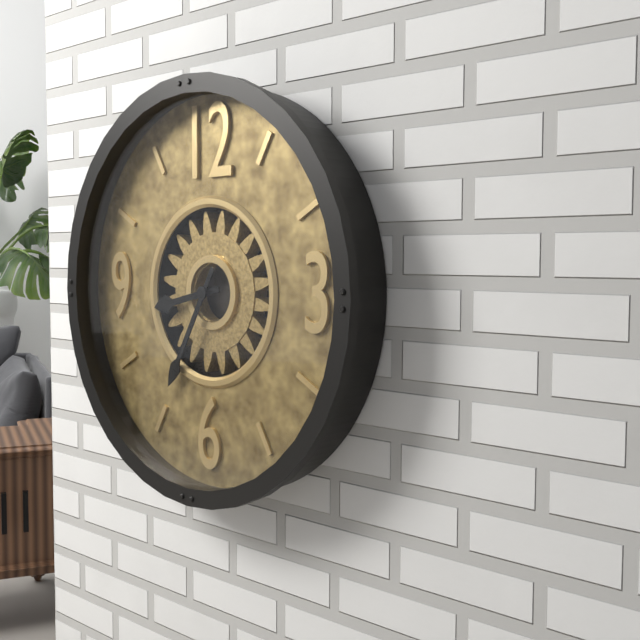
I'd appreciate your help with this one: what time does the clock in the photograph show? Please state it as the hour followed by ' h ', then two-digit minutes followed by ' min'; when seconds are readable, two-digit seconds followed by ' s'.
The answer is 8 h 35 min
